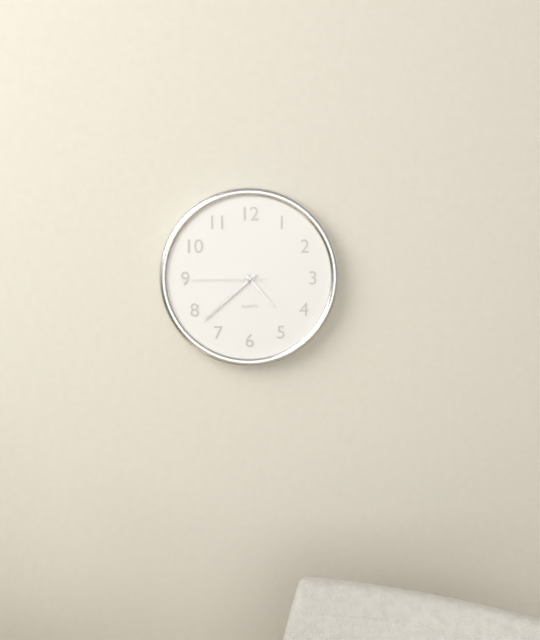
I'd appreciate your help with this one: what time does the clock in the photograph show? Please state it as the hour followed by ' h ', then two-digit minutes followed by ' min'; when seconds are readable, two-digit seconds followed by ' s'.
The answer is 4 h 38 min 45 s
